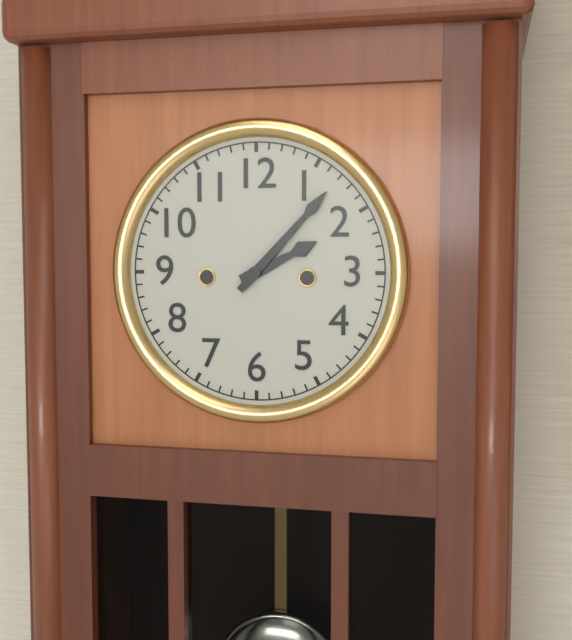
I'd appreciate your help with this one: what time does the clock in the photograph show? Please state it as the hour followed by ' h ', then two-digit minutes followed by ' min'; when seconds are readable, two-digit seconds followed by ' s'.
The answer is 2 h 07 min
